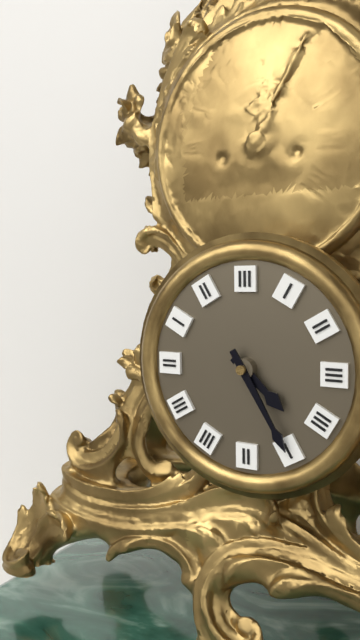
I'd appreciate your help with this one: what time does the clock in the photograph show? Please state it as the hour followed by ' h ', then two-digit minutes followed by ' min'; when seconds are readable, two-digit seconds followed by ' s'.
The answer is 4 h 25 min
